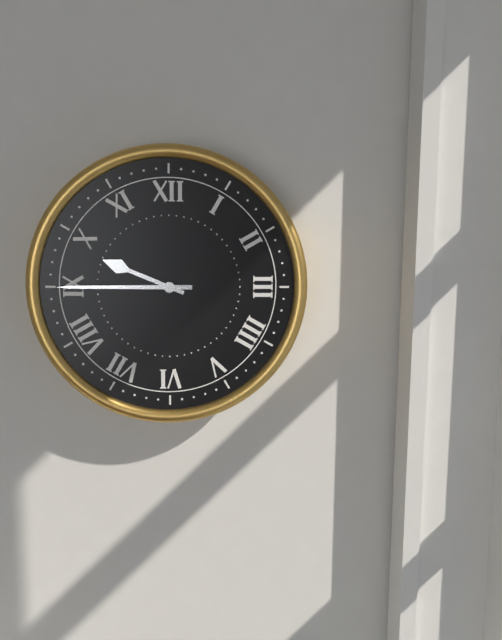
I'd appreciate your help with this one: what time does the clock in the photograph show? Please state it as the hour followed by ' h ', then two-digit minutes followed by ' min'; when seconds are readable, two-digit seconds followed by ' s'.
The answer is 9 h 45 min
